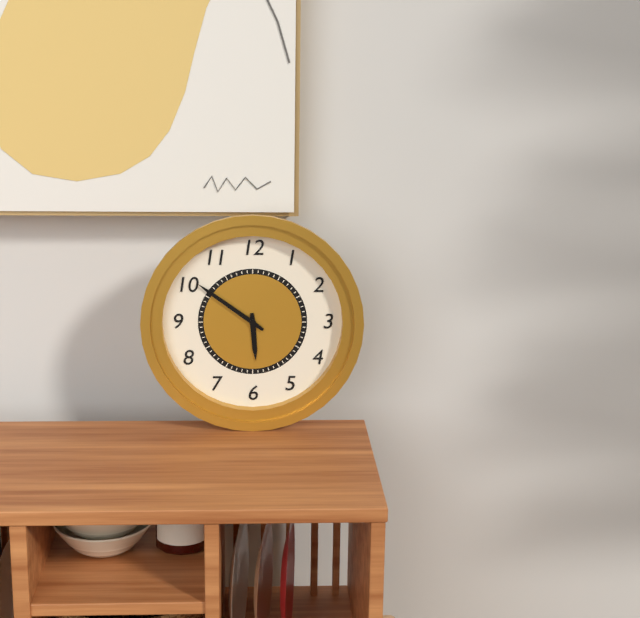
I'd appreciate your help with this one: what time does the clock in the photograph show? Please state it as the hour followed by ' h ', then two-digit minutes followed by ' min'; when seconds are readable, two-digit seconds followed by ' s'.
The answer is 5 h 51 min
